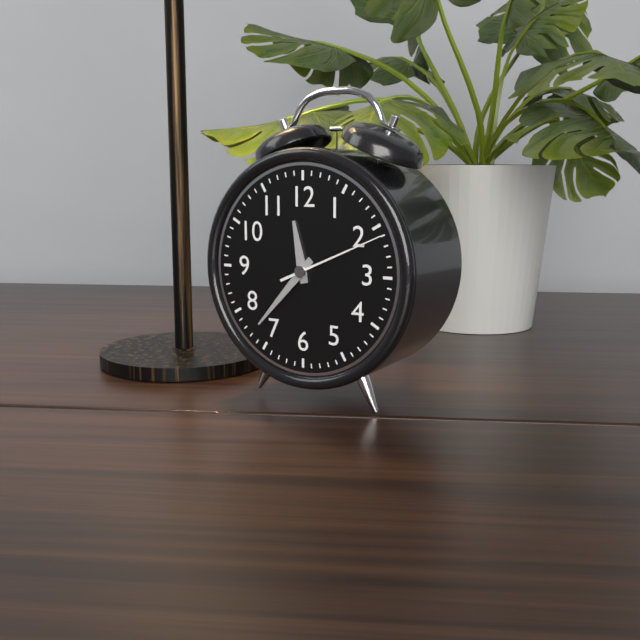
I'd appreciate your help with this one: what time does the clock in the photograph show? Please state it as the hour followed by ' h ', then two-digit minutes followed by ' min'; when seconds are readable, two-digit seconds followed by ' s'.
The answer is 11 h 37 min 11 s
